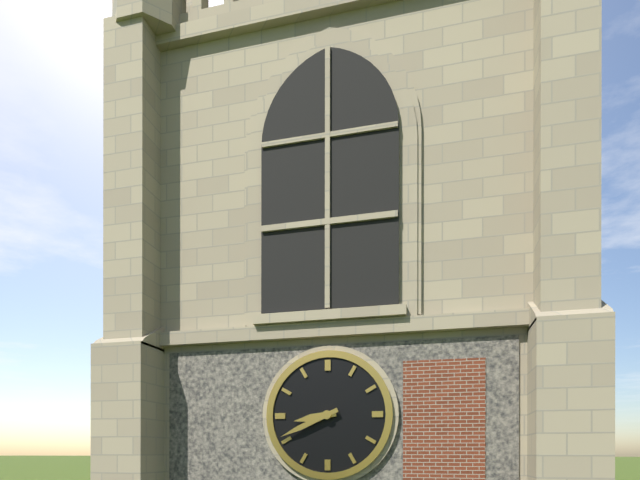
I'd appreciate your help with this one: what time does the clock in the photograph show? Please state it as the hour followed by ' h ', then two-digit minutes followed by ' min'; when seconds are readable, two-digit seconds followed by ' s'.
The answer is 8 h 41 min
